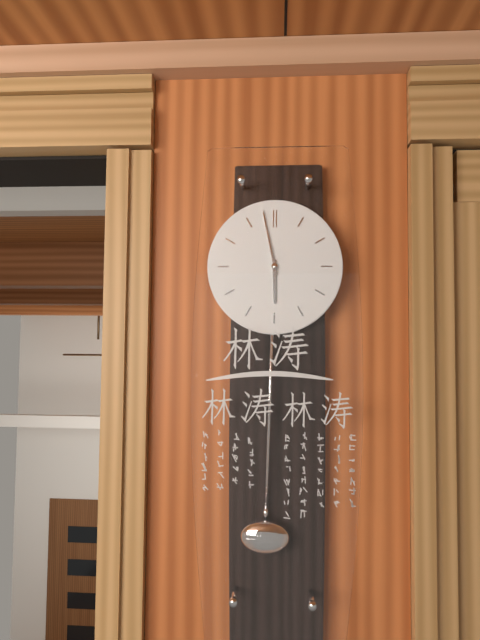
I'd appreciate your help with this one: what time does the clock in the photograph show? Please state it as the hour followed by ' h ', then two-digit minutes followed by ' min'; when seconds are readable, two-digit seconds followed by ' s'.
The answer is 5 h 58 min
